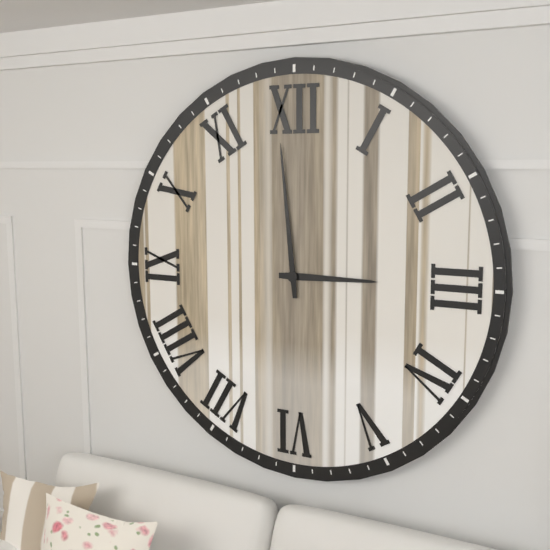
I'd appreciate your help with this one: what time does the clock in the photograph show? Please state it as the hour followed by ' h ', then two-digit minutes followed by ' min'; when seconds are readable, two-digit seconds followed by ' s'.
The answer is 2 h 59 min
